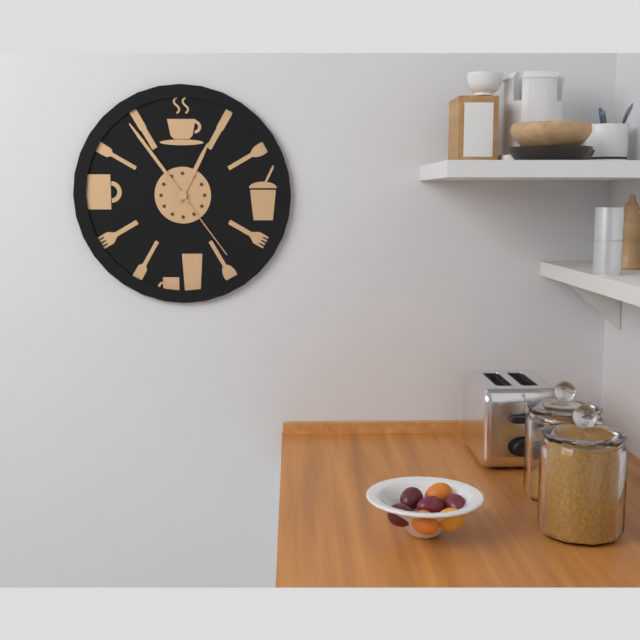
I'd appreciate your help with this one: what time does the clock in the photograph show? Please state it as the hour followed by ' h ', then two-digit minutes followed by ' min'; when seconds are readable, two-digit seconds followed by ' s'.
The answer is 12 h 54 min 24 s
